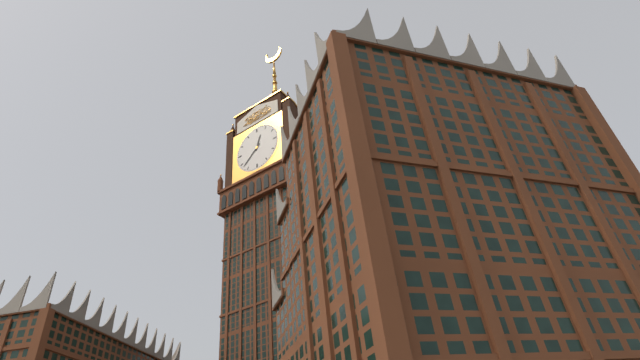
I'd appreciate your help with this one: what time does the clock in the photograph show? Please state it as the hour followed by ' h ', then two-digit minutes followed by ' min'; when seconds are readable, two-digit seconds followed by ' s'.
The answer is 12 h 38 min
